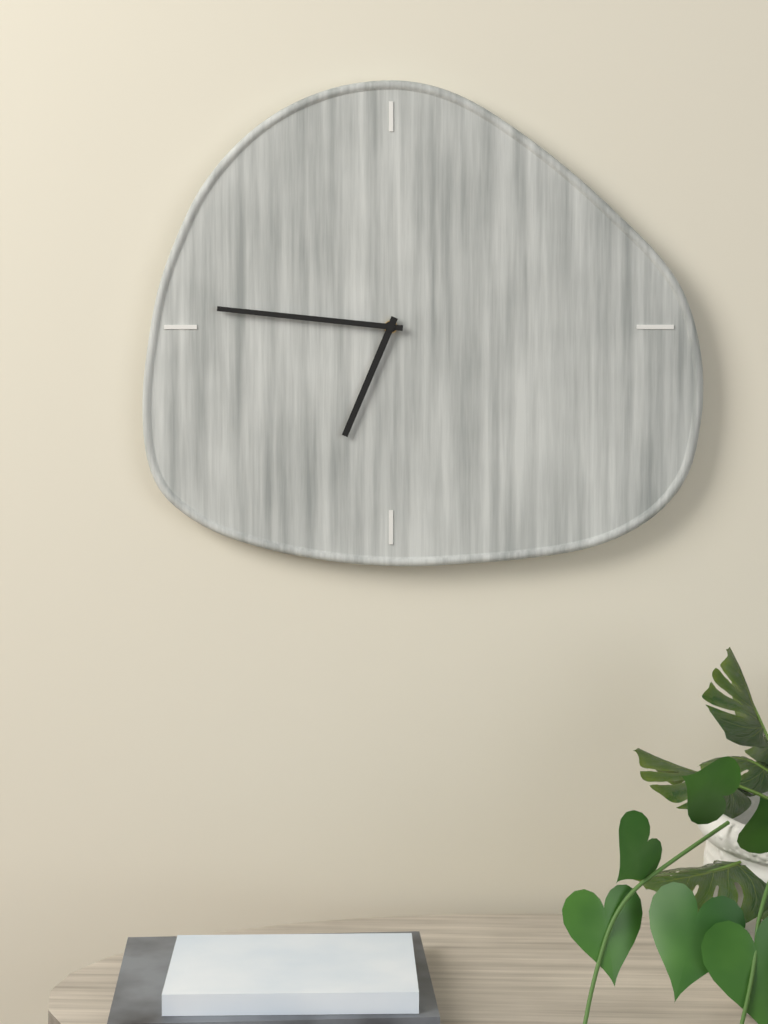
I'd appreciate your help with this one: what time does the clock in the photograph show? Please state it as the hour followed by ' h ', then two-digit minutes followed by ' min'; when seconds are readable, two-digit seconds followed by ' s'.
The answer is 6 h 46 min
